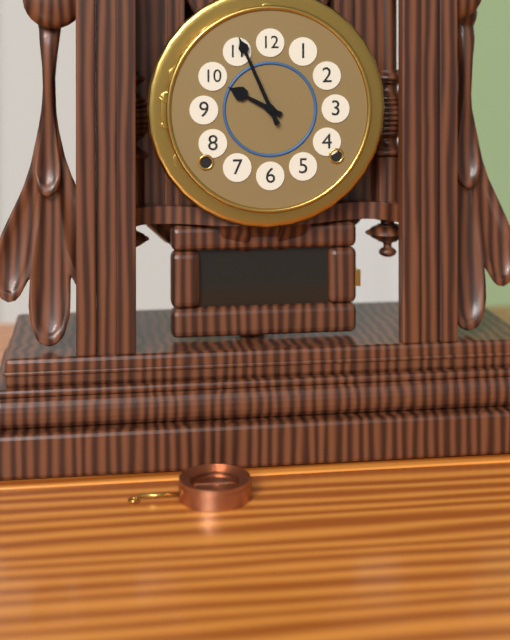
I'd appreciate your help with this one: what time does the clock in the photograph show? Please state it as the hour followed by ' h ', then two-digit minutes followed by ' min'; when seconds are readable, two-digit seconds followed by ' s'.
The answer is 9 h 56 min
